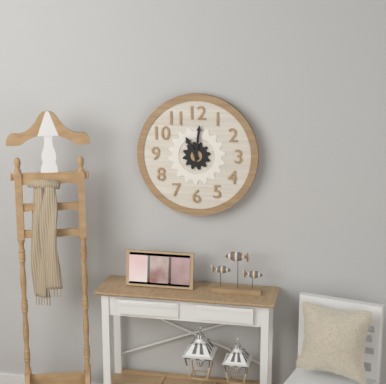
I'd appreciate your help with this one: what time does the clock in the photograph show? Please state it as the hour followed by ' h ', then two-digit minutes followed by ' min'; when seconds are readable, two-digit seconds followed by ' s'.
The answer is 11 h 01 min
